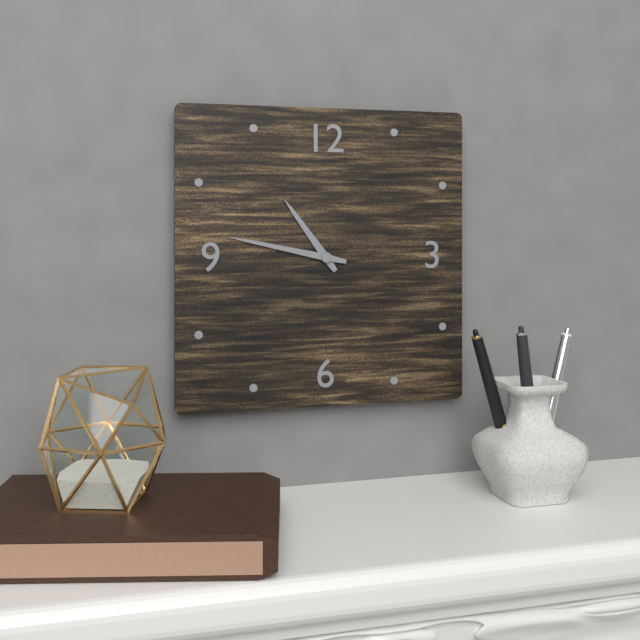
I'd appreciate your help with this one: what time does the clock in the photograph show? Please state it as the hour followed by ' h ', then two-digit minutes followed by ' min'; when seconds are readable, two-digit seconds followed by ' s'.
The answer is 10 h 47 min
